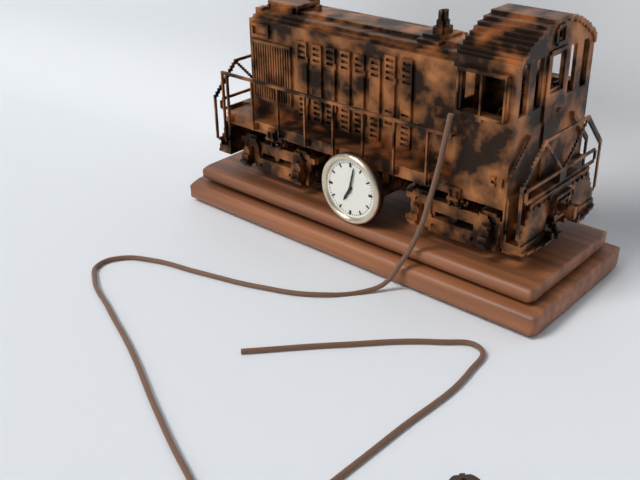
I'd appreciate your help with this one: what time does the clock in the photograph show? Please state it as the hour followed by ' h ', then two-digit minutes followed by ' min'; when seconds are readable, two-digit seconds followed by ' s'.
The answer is 7 h 02 min
